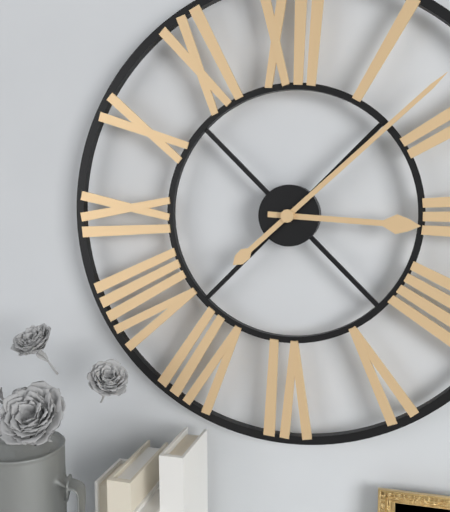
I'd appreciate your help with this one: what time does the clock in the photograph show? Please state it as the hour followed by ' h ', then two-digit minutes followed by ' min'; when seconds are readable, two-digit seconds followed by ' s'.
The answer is 3 h 08 min
